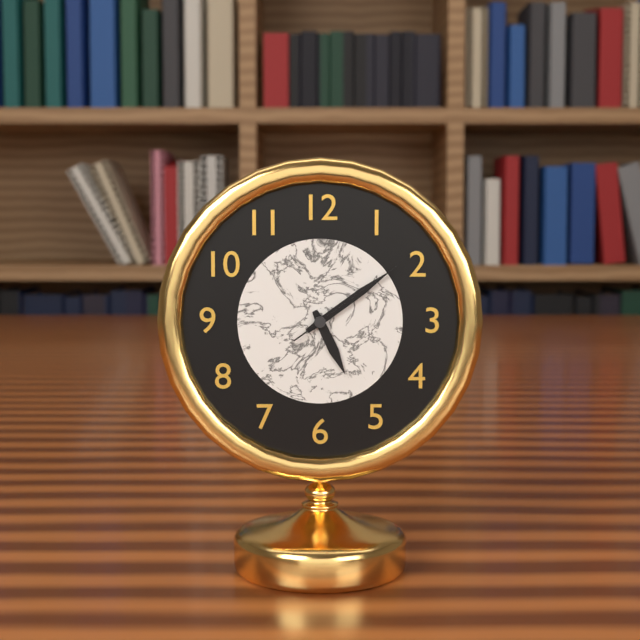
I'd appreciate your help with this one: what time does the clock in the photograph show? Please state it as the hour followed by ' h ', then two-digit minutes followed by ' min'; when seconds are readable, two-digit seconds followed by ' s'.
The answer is 5 h 09 min 09 s
